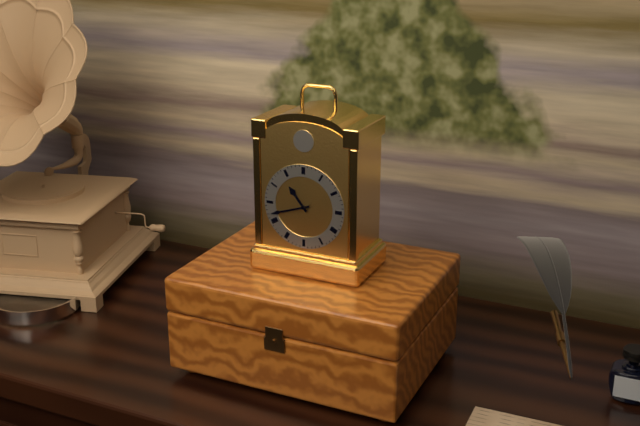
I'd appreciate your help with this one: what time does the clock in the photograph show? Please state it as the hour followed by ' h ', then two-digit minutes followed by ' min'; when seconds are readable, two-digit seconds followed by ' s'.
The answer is 10 h 42 min
